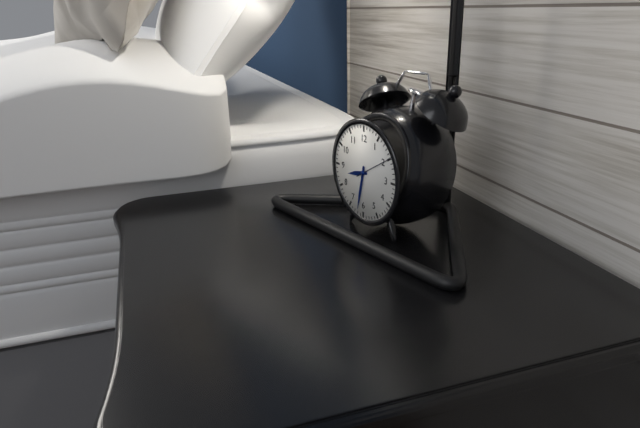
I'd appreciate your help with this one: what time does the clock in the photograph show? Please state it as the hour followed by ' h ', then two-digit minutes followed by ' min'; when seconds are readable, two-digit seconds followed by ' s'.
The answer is 8 h 32 min
